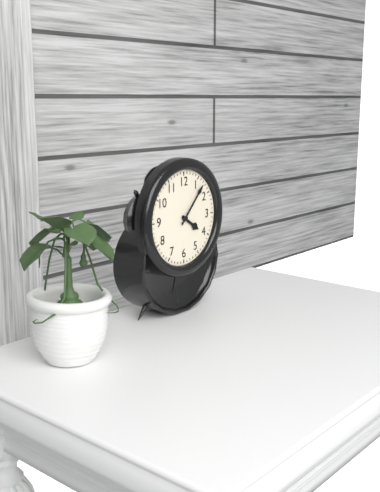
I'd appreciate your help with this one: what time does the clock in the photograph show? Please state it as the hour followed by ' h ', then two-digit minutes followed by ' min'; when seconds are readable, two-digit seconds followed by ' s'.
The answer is 4 h 07 min
